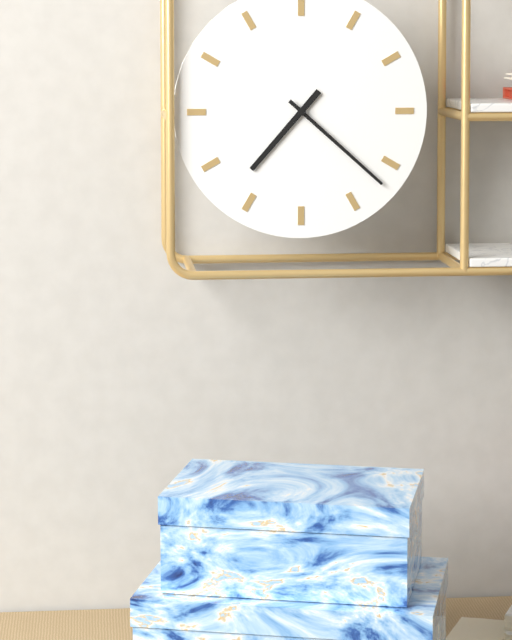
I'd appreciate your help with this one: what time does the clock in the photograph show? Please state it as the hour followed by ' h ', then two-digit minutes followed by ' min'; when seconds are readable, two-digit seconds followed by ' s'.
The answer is 7 h 22 min
